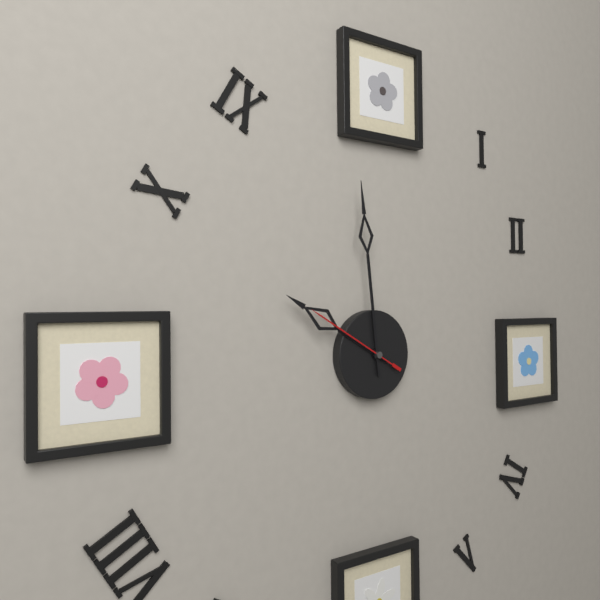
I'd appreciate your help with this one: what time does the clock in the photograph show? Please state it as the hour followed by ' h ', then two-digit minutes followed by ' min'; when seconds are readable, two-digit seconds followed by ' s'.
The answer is 9 h 59 min 50 s
